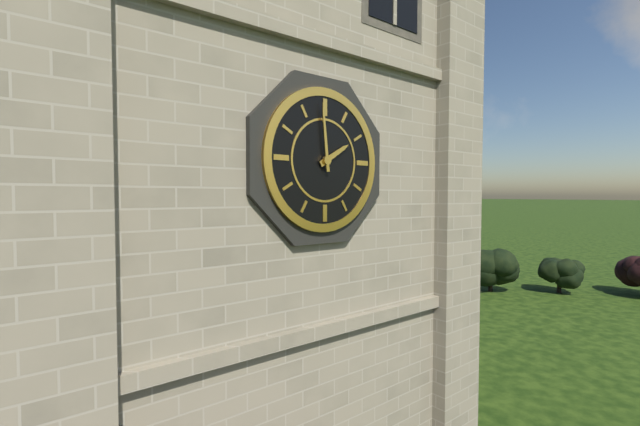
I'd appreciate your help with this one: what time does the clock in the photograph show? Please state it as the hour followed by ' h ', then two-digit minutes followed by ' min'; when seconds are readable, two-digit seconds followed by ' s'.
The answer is 1 h 59 min
